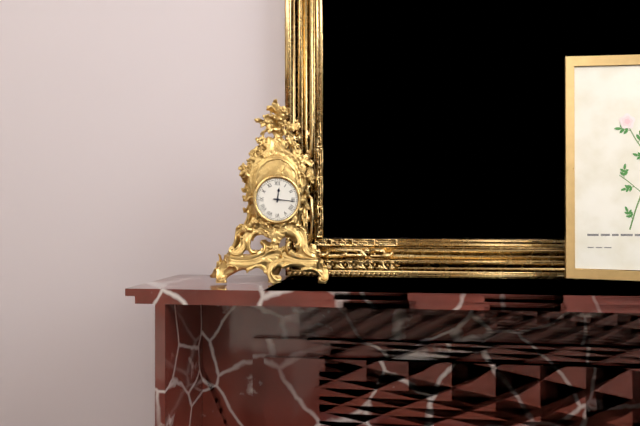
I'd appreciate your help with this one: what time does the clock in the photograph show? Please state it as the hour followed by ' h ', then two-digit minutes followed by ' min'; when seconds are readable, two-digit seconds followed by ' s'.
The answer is 12 h 16 min
